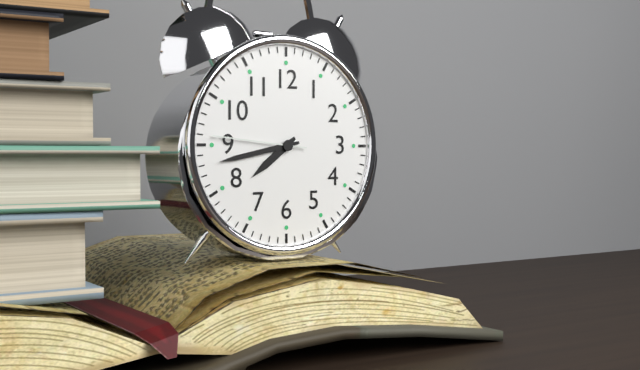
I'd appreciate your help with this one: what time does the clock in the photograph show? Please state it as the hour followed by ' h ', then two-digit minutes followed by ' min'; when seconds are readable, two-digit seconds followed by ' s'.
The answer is 7 h 43 min 46 s
